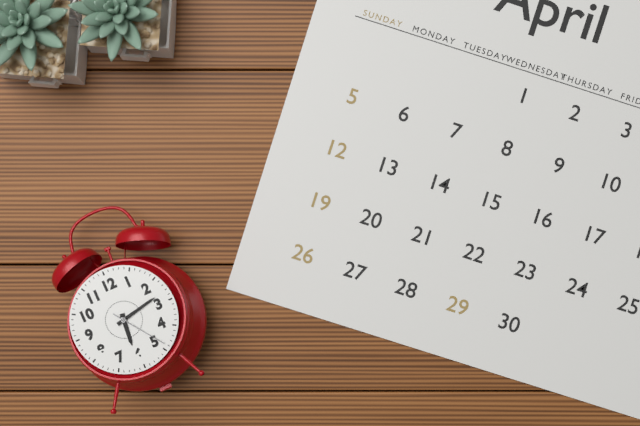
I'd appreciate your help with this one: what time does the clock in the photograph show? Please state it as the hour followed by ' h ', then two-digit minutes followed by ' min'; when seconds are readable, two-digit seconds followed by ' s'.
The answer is 6 h 13 min 24 s
